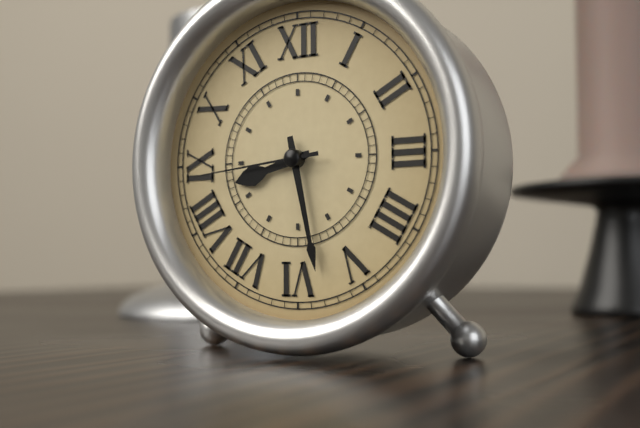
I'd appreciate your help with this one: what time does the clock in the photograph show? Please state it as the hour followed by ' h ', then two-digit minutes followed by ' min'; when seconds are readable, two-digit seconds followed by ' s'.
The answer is 8 h 28 min 44 s
